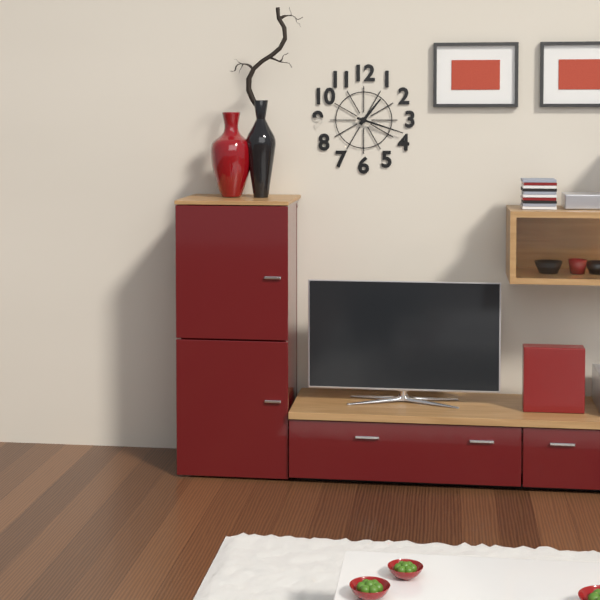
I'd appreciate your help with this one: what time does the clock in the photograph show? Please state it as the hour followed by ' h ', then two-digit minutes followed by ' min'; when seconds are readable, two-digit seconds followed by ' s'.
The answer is 1 h 18 min
